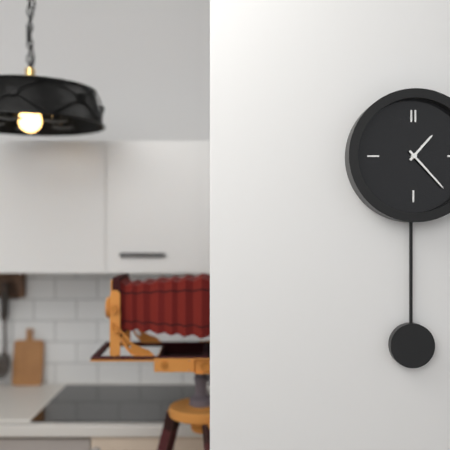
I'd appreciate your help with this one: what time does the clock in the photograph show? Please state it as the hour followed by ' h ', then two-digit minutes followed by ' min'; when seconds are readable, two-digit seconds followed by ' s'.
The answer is 1 h 23 min
